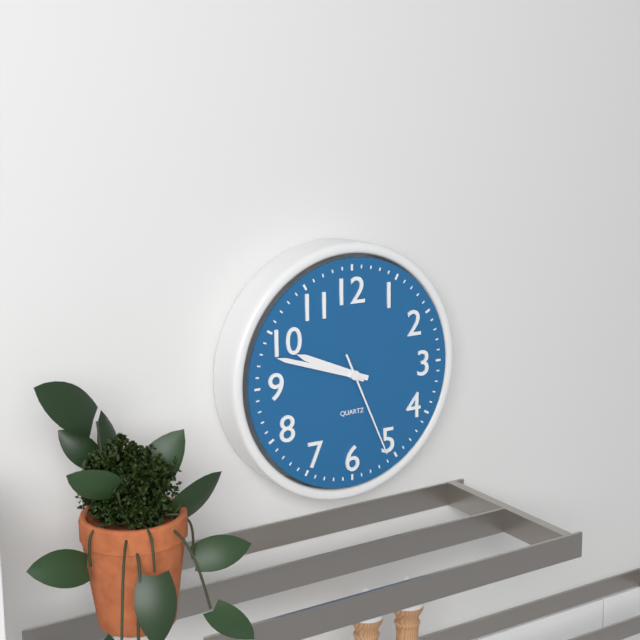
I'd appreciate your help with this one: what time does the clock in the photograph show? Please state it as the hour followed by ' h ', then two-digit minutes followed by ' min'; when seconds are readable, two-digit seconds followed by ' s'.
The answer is 9 h 48 min 26 s
